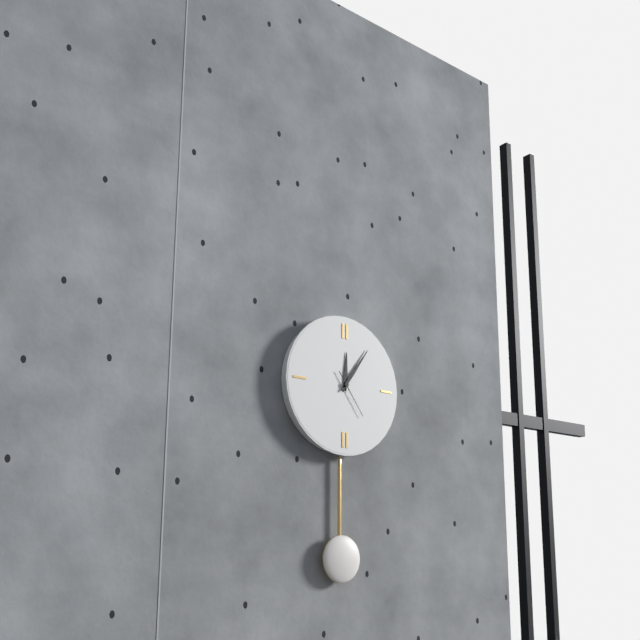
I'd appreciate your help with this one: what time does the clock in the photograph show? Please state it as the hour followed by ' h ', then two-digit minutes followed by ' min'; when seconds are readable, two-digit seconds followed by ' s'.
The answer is 12 h 06 min
